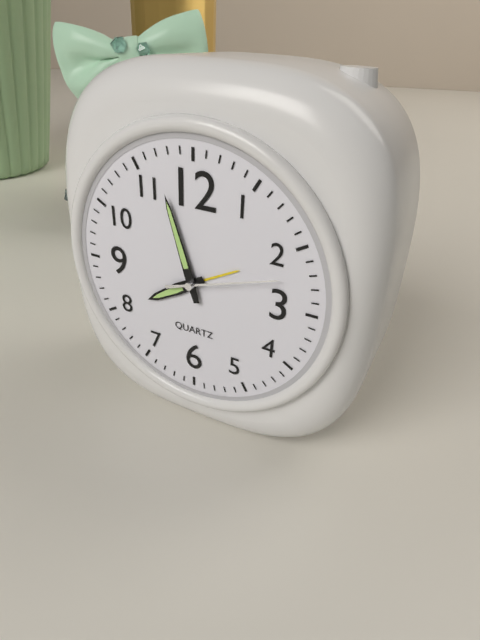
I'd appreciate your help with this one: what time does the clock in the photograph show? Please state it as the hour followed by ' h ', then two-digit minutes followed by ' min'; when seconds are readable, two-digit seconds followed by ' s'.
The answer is 7 h 57 min 12 s
